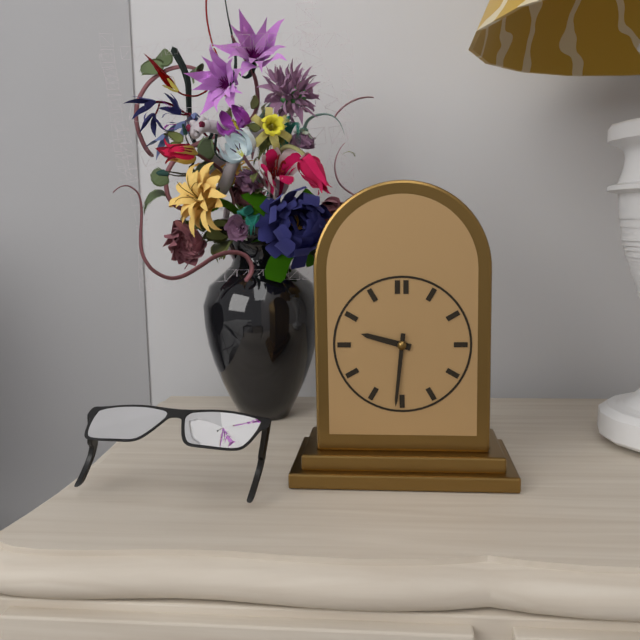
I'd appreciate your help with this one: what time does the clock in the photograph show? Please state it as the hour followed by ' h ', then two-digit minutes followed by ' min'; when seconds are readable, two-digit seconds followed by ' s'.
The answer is 9 h 31 min
